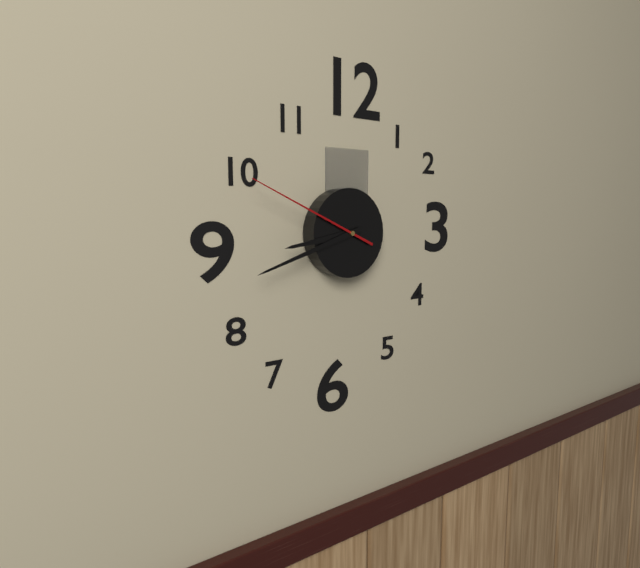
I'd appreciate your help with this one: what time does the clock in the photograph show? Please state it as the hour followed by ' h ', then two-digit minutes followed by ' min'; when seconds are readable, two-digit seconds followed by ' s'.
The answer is 8 h 42 min 49 s
